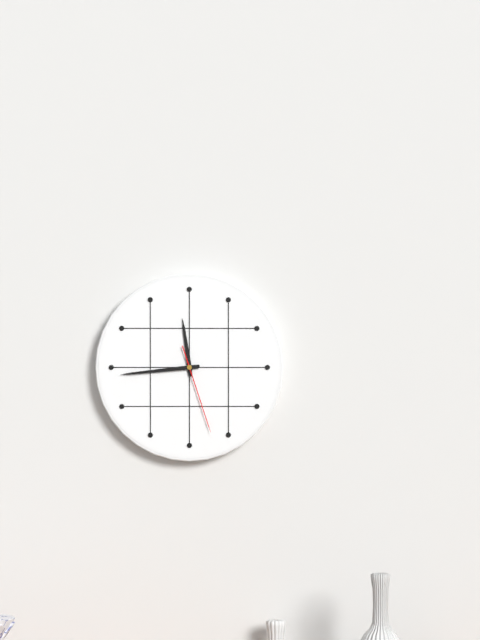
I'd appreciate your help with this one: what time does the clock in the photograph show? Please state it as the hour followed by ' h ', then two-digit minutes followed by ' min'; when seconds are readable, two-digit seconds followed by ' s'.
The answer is 11 h 44 min 27 s
